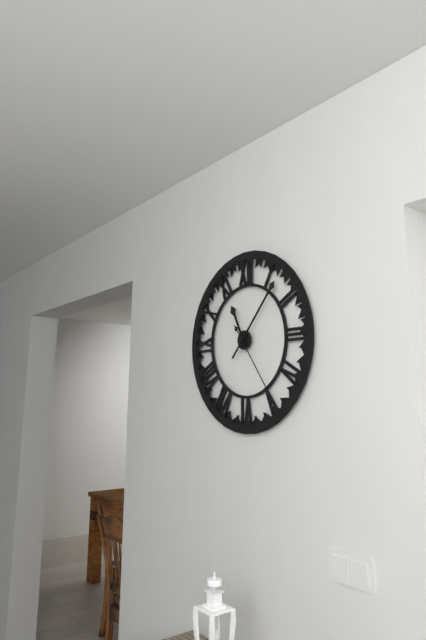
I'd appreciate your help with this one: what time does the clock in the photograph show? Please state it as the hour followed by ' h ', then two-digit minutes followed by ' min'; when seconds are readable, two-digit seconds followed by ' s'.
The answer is 11 h 07 min 24 s
